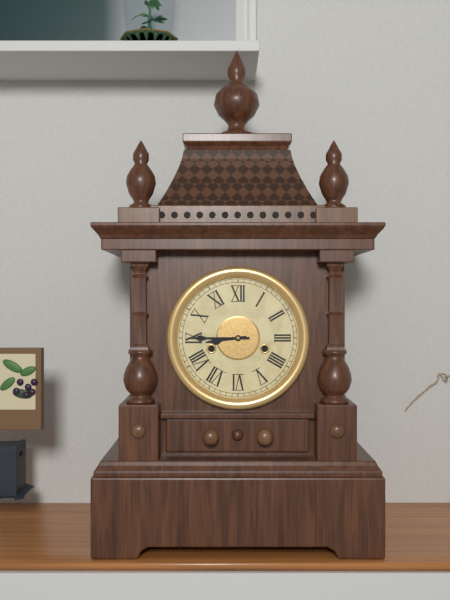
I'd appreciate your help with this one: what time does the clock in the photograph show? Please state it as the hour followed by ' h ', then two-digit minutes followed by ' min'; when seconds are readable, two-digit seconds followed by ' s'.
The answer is 8 h 45 min
